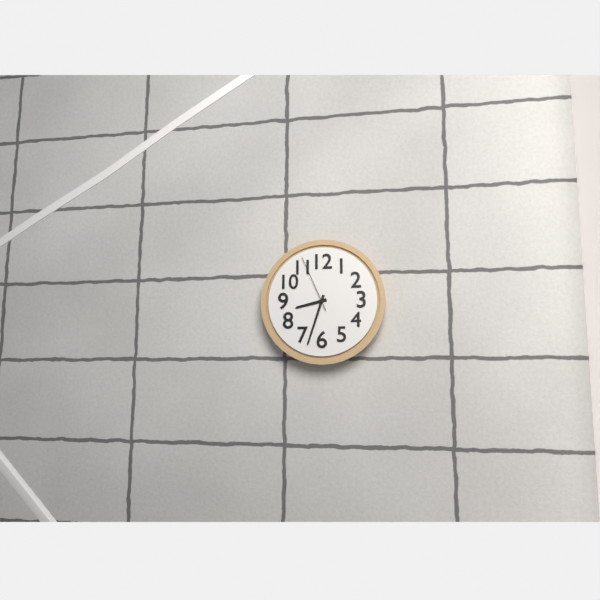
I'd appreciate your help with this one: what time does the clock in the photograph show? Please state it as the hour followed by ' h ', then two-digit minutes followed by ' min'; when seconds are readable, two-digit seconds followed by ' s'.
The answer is 8 h 33 min 56 s
